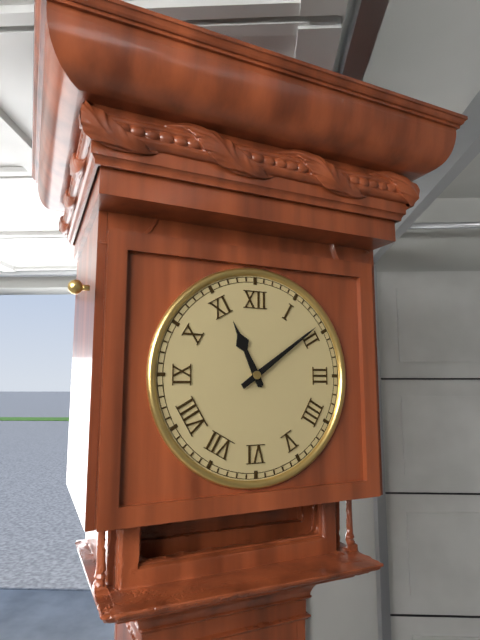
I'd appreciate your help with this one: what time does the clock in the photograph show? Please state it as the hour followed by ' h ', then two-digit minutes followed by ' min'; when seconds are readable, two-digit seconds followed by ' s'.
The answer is 11 h 09 min
